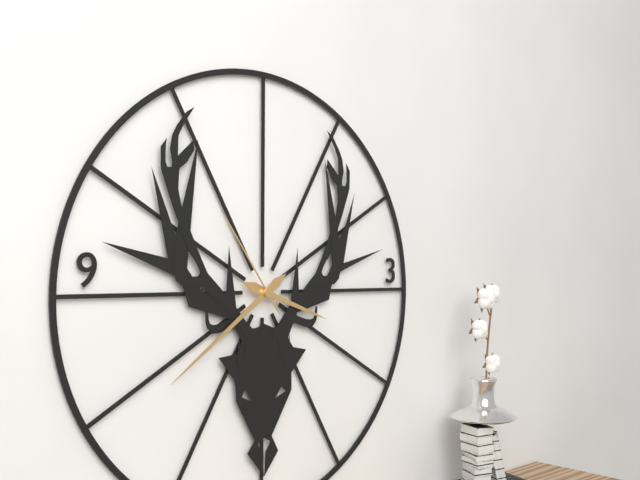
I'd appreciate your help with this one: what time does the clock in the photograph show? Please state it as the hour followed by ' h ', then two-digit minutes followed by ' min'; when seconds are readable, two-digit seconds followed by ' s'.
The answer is 3 h 39 min 54 s
